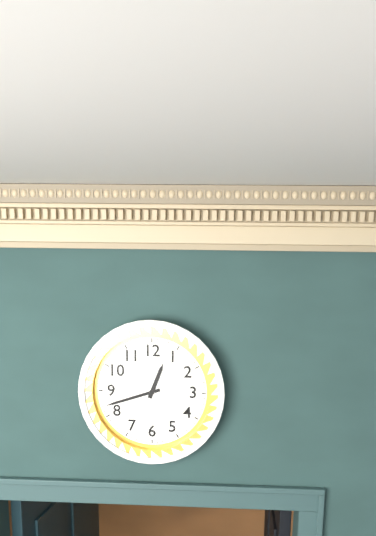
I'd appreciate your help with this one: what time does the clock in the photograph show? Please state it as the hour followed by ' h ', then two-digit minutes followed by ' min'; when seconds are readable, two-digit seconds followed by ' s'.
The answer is 12 h 42 min
